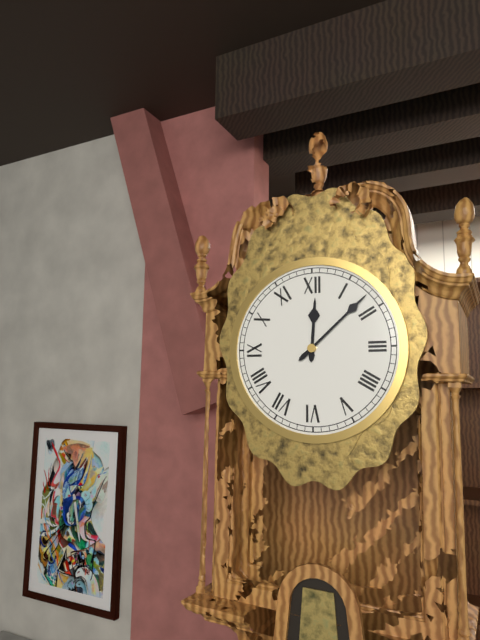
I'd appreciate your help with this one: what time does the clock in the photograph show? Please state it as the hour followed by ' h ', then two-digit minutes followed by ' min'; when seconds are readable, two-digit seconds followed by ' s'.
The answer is 12 h 08 min
